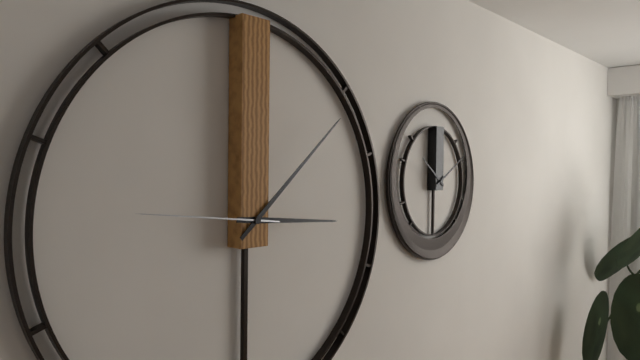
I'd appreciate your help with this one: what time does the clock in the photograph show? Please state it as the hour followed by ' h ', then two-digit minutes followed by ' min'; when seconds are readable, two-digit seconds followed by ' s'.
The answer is 3 h 08 min 46 s
